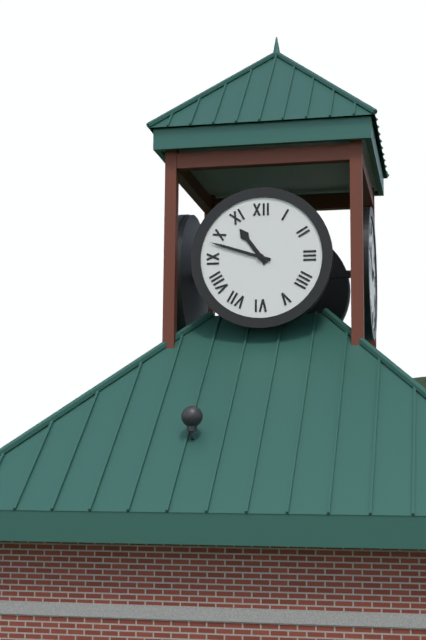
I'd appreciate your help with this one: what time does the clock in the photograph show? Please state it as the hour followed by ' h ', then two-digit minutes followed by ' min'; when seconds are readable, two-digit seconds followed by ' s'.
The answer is 10 h 48 min
